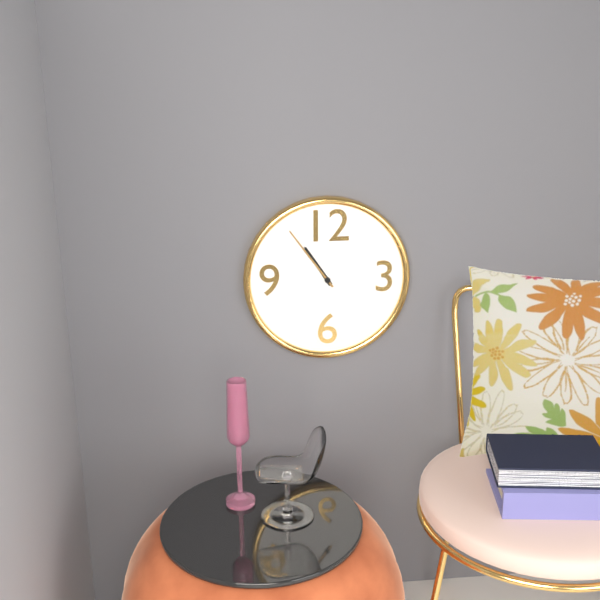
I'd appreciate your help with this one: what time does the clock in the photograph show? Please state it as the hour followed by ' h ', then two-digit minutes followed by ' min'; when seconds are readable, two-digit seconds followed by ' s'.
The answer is 10 h 54 min
